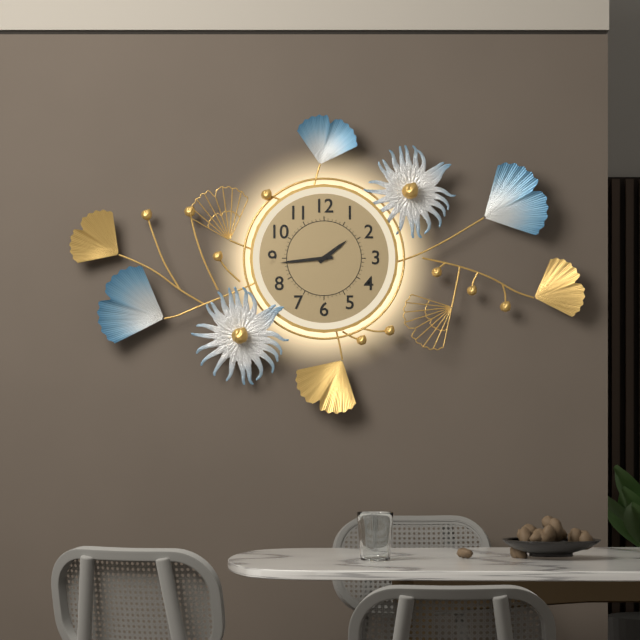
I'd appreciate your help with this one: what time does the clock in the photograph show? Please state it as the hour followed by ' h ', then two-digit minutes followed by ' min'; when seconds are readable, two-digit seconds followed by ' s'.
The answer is 1 h 44 min
